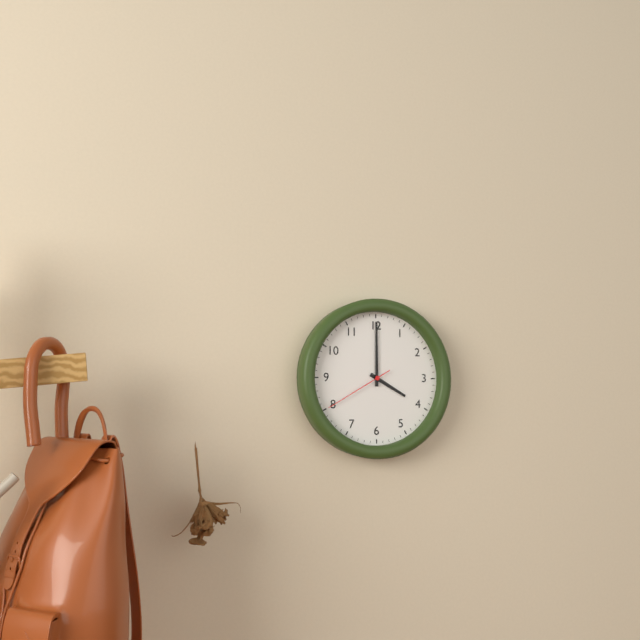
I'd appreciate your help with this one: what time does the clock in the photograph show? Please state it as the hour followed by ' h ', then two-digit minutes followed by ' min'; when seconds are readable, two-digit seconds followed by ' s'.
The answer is 4 h 00 min 40 s
